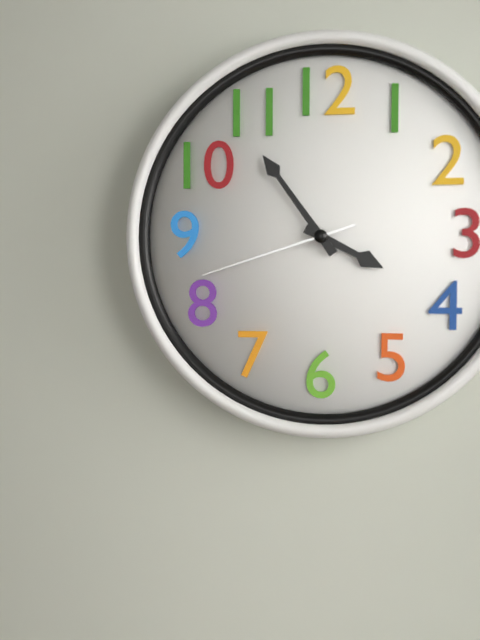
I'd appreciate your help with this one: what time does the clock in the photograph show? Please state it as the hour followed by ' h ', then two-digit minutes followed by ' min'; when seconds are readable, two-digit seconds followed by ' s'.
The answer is 3 h 54 min 42 s
